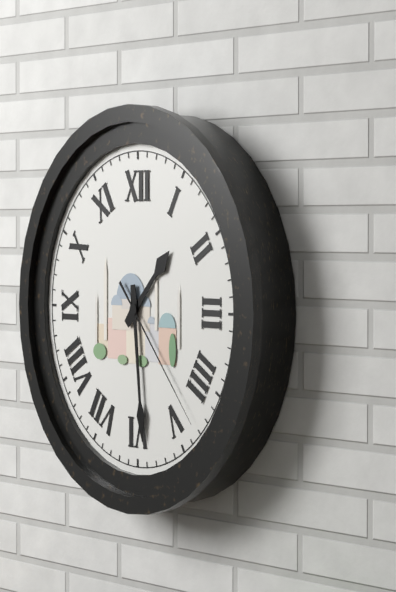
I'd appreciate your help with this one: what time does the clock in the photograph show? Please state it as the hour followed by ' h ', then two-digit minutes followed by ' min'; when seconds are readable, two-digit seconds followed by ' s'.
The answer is 1 h 29 min 23 s
